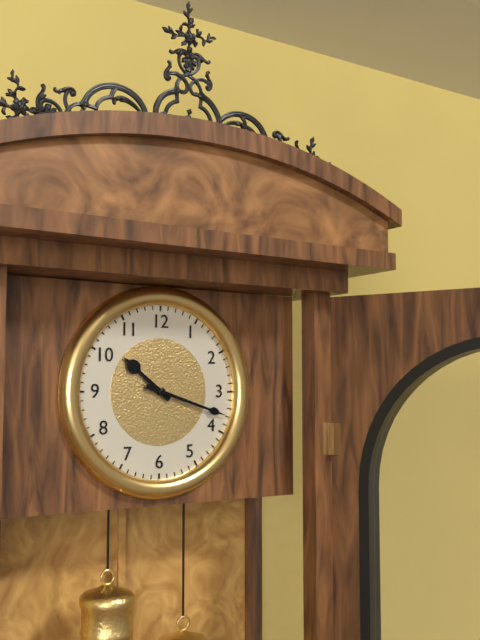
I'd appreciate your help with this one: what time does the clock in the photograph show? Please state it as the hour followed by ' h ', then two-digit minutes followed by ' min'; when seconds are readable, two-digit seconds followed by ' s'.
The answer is 10 h 18 min
